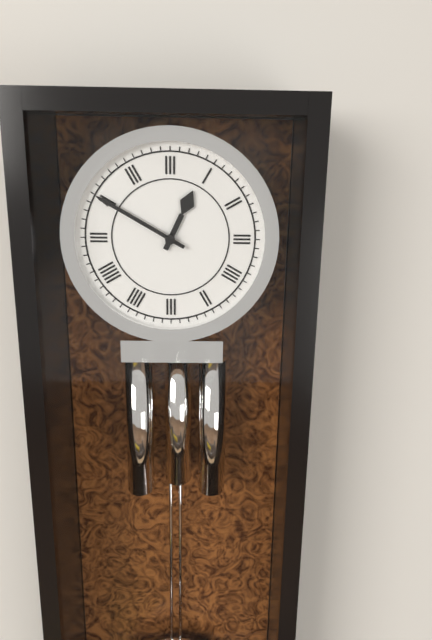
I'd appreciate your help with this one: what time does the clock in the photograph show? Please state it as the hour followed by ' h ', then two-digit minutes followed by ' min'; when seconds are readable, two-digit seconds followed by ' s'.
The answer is 12 h 50 min
